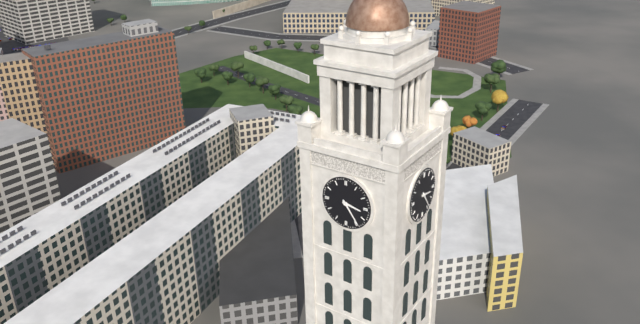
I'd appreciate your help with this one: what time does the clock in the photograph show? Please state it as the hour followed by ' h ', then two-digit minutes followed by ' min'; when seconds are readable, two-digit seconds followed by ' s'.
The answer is 3 h 24 min
